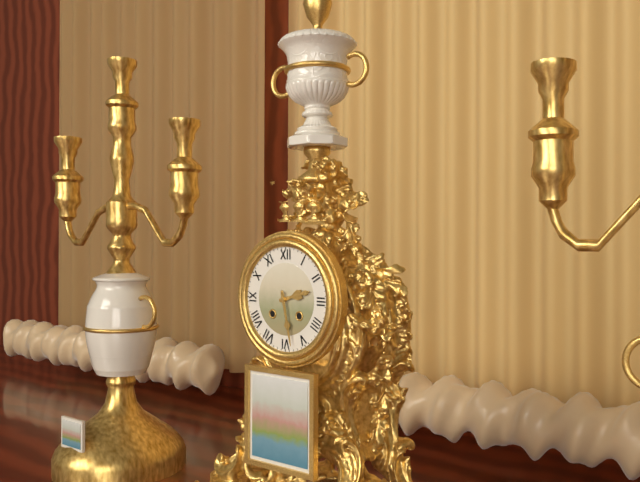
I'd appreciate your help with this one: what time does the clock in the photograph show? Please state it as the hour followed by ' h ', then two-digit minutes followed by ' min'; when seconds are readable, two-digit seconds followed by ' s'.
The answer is 2 h 28 min
